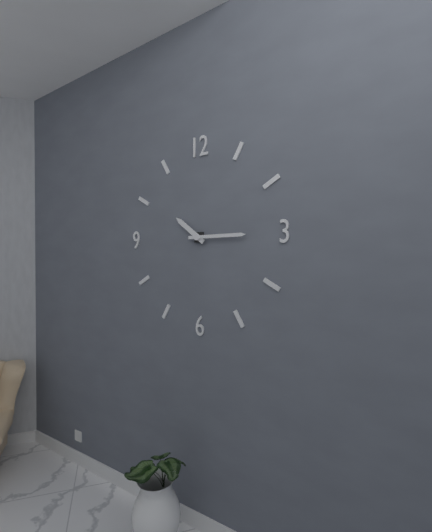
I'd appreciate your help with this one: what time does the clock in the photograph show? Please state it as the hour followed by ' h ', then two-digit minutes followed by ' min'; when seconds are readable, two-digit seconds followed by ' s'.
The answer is 10 h 15 min
